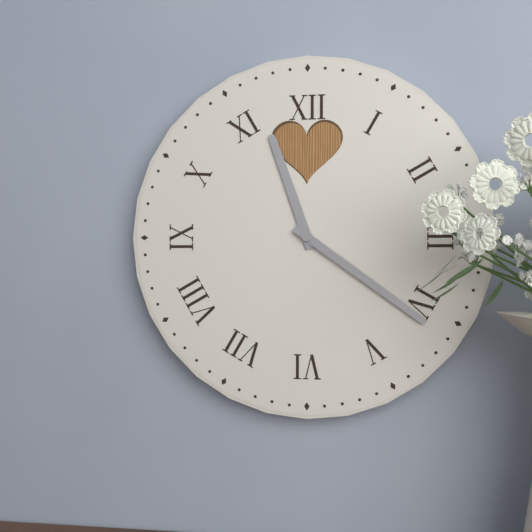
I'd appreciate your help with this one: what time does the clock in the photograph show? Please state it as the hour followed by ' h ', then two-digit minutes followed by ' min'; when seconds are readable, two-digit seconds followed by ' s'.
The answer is 11 h 21 min
